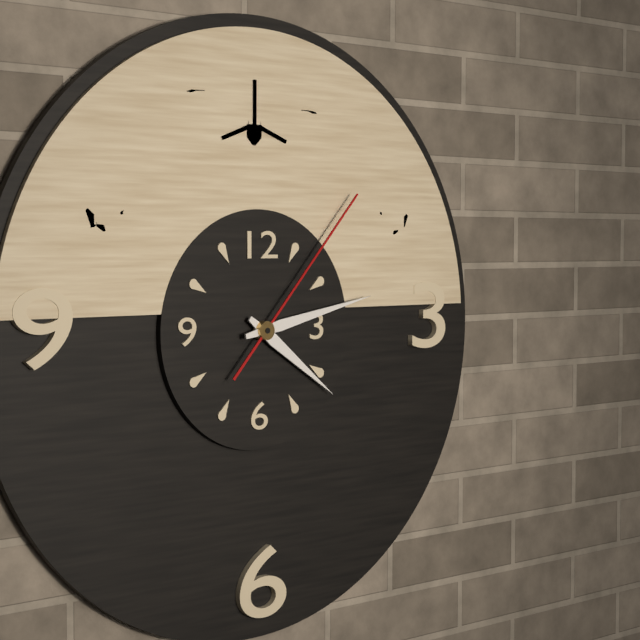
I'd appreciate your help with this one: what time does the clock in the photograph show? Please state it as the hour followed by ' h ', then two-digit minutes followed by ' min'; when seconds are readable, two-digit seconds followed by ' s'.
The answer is 4 h 13 min 07 s
